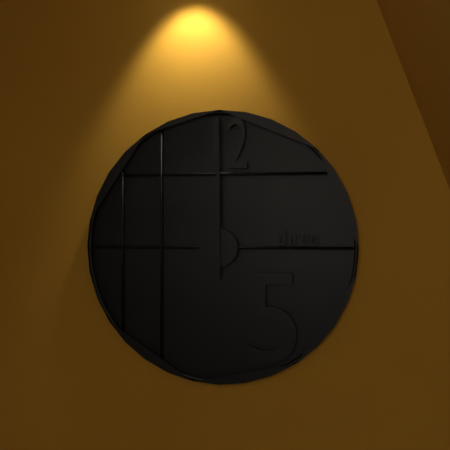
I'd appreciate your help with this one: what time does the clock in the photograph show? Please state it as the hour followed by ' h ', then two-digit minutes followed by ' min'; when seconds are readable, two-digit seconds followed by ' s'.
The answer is 12 h 00 min
